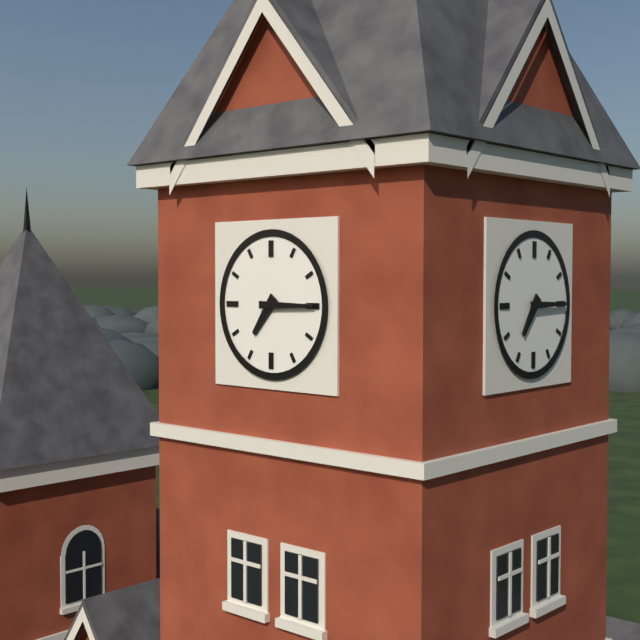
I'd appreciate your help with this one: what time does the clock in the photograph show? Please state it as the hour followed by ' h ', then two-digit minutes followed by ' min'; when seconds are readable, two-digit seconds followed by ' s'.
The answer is 7 h 15 min
